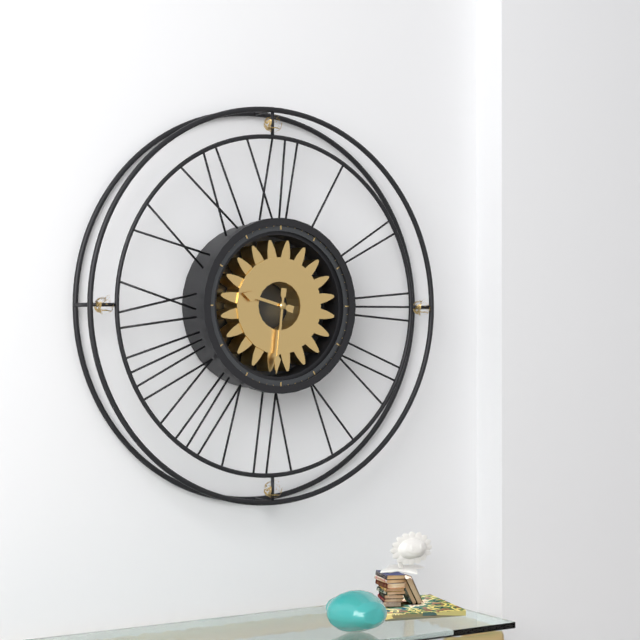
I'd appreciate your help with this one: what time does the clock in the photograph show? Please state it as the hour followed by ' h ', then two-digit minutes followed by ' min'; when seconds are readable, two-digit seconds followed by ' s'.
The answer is 9 h 31 min
